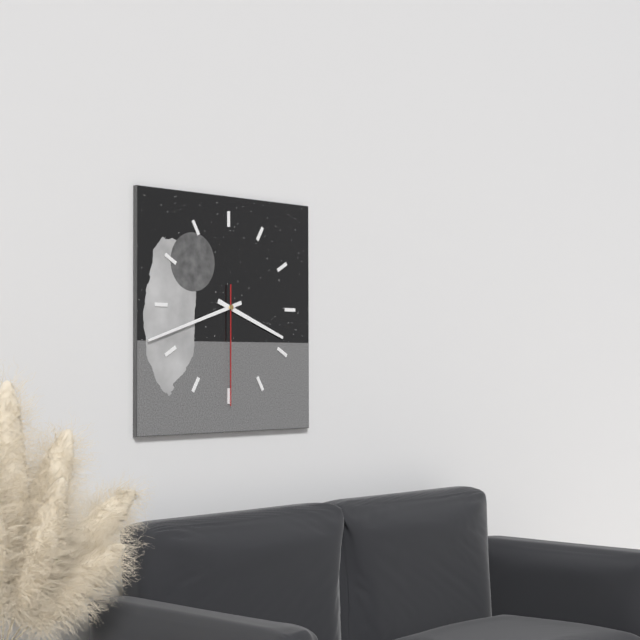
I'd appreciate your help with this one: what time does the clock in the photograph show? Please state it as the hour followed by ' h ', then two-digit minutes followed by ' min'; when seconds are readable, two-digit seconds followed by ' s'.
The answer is 3 h 42 min 30 s
